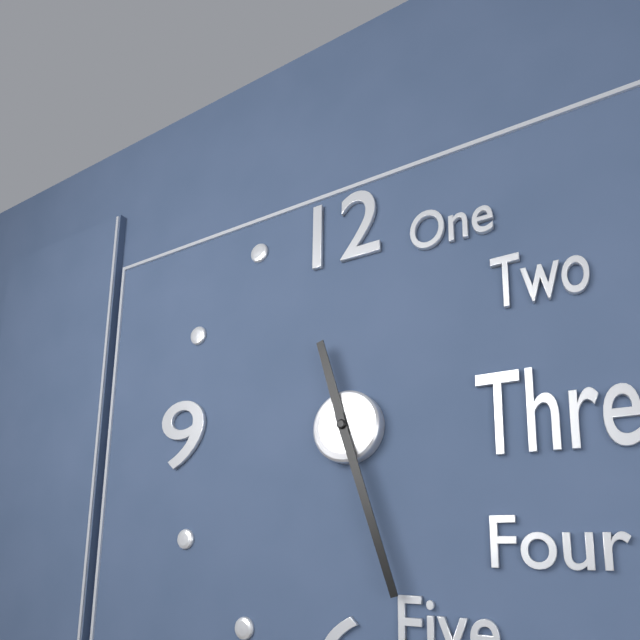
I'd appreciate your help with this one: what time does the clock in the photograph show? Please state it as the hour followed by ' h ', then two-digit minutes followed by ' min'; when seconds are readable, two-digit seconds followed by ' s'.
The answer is 11 h 27 min
